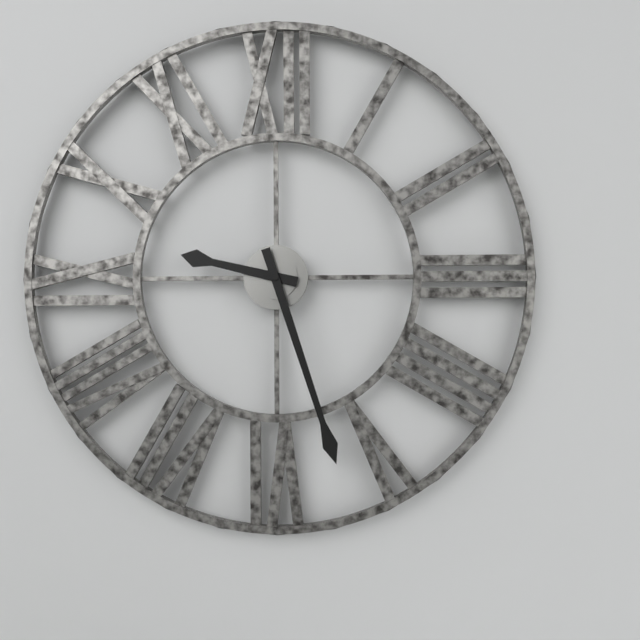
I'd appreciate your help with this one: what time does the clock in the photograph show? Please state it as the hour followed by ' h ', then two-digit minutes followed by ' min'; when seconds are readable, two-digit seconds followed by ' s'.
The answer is 9 h 27 min
